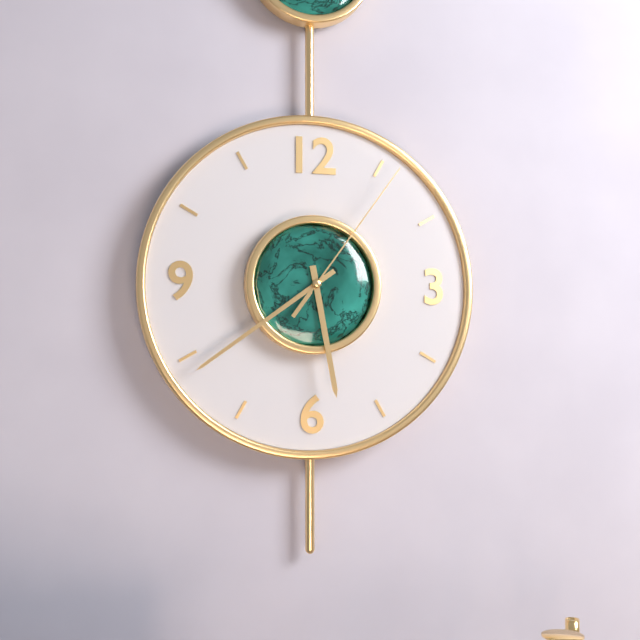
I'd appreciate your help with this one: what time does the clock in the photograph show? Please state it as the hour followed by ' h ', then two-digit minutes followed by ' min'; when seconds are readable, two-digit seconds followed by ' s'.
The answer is 5 h 39 min 06 s
